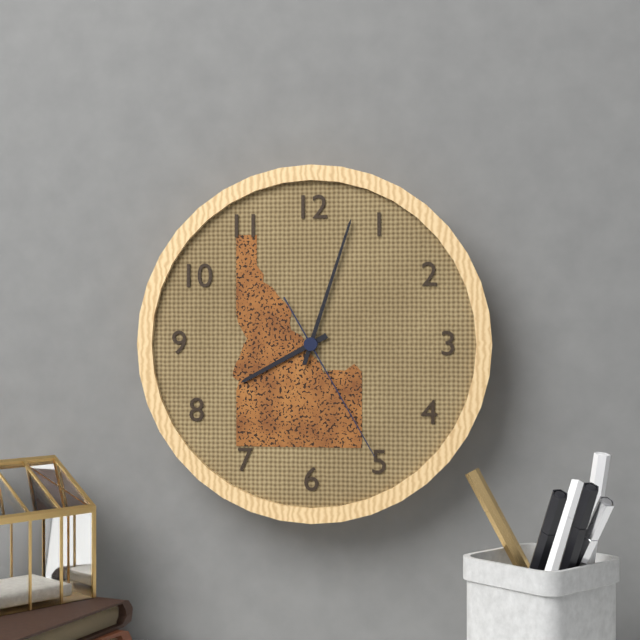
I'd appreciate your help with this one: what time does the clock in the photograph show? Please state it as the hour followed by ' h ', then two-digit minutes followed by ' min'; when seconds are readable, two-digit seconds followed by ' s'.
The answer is 8 h 03 min 25 s
